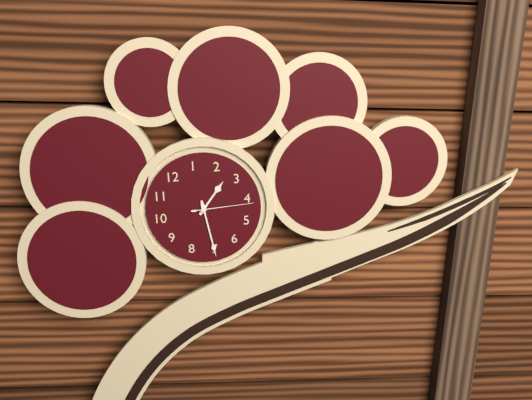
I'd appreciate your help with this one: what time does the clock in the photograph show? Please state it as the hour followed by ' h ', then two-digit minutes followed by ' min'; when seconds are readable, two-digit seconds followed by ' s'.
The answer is 2 h 35 min 21 s
